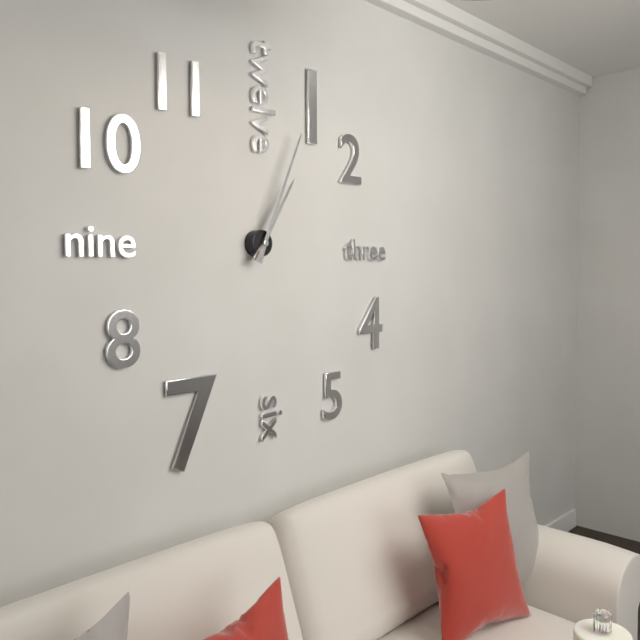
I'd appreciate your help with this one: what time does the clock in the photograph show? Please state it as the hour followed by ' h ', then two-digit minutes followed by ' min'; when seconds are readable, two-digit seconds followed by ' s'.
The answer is 1 h 04 min
